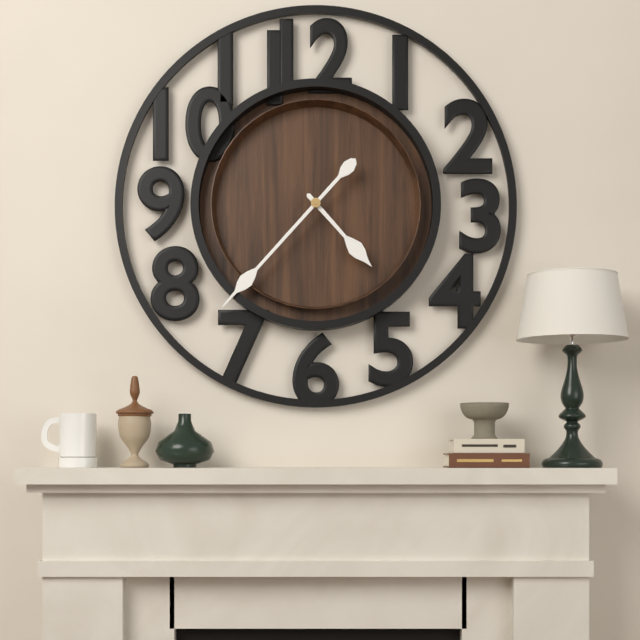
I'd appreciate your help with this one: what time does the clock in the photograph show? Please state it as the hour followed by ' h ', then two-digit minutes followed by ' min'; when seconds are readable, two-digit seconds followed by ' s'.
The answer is 4 h 37 min
